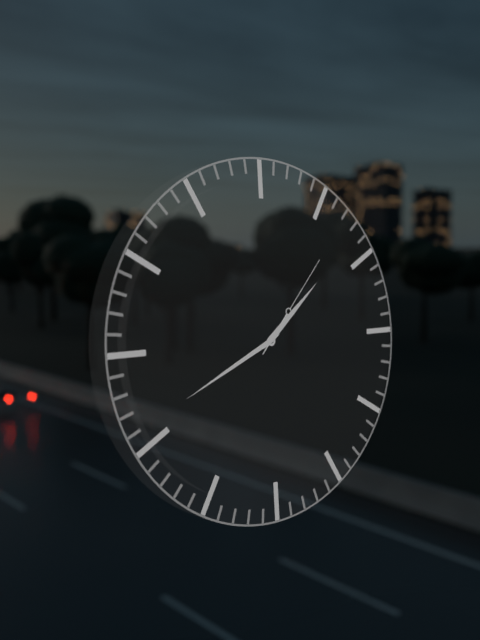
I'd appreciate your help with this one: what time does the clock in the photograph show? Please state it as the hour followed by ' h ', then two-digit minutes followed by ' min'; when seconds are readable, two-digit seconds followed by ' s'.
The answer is 1 h 41 min 07 s
